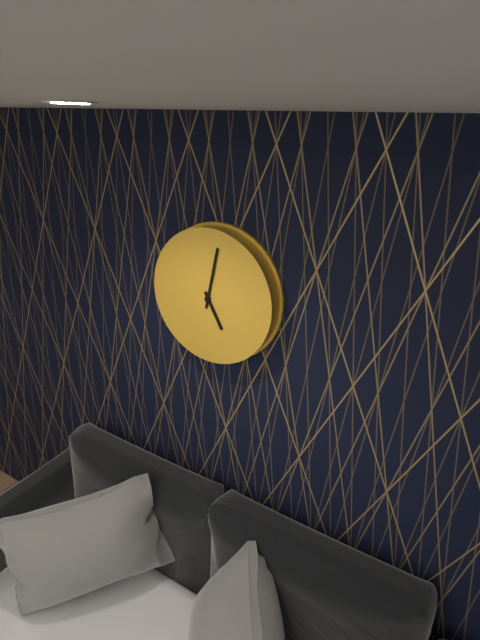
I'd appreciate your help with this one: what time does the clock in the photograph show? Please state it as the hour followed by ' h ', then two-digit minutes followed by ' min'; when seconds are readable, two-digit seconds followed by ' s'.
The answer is 5 h 02 min
